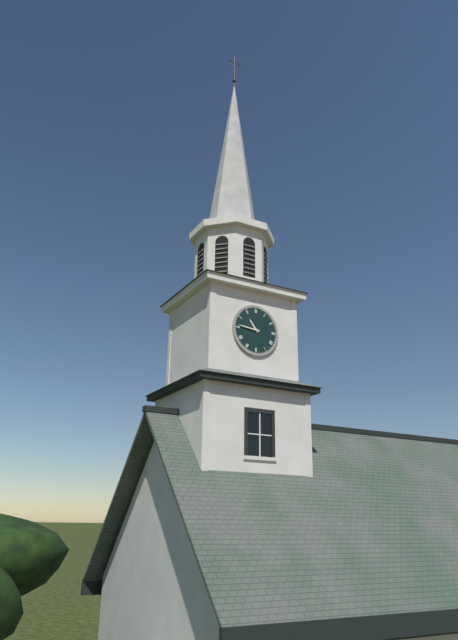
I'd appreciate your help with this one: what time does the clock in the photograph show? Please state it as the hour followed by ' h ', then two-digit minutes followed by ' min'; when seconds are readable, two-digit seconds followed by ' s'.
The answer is 10 h 46 min
